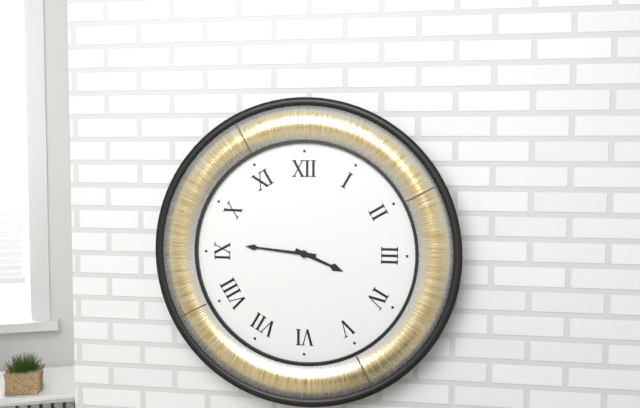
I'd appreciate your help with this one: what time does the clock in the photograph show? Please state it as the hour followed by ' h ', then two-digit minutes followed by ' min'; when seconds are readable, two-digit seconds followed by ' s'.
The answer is 3 h 46 min
